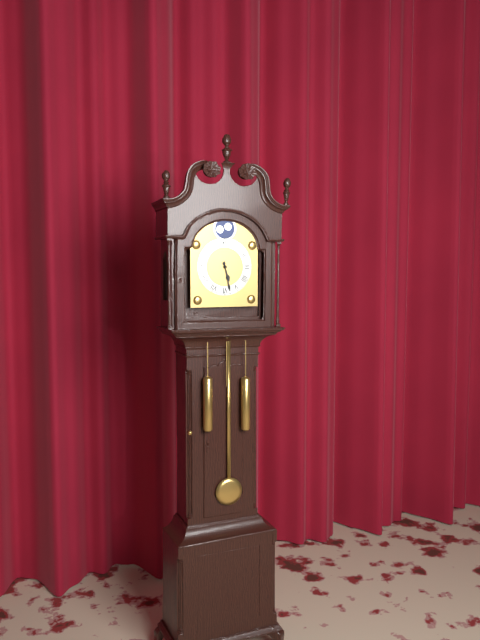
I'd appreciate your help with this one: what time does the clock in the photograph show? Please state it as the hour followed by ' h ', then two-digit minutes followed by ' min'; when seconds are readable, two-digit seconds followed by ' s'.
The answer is 5 h 28 min
